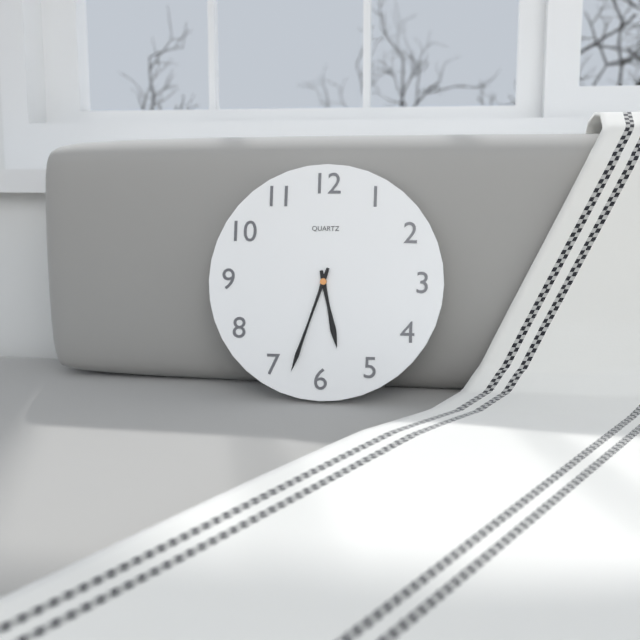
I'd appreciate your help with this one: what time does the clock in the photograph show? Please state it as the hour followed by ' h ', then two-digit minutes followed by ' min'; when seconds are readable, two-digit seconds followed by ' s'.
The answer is 5 h 33 min
